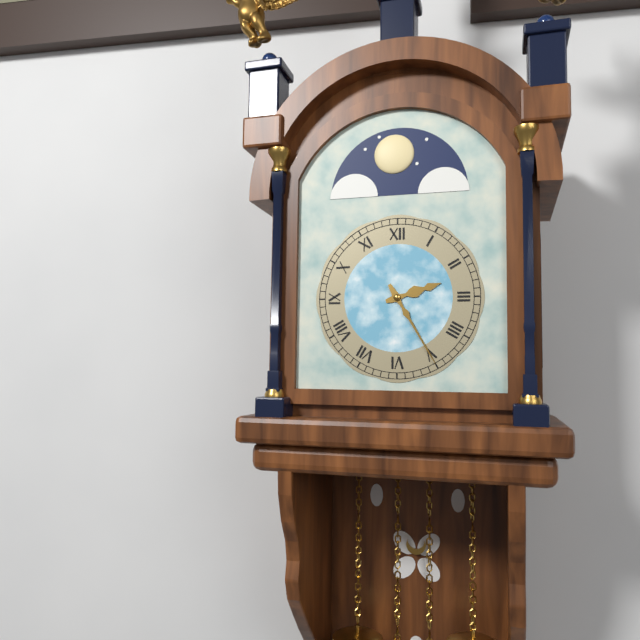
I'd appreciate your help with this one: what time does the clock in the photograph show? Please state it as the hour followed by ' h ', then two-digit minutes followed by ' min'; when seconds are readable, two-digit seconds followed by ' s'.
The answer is 2 h 25 min
